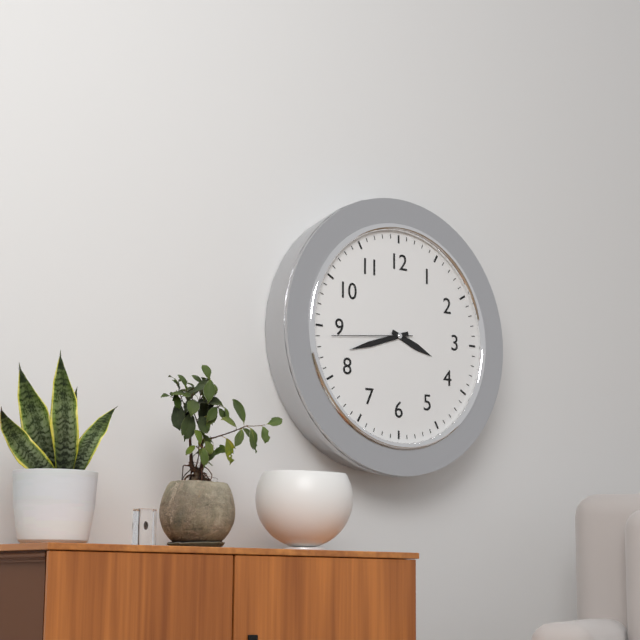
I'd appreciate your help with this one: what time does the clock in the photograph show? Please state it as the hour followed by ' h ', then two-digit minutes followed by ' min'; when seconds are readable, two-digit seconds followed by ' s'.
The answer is 3 h 42 min 44 s
